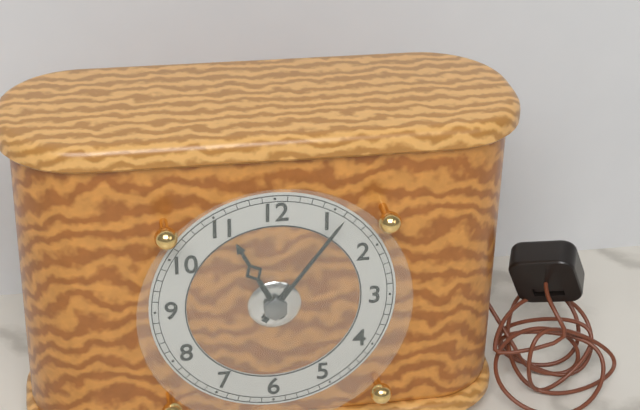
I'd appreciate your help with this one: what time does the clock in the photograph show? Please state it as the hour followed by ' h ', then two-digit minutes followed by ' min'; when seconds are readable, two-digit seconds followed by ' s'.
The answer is 11 h 06 min
